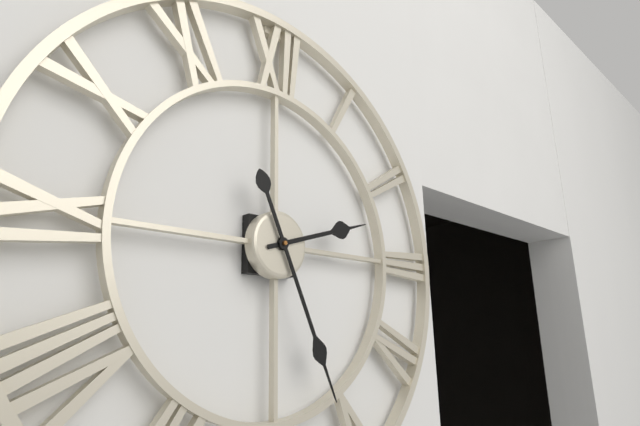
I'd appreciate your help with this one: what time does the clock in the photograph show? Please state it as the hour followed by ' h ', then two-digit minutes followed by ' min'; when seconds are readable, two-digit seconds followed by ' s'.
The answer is 2 h 26 min
